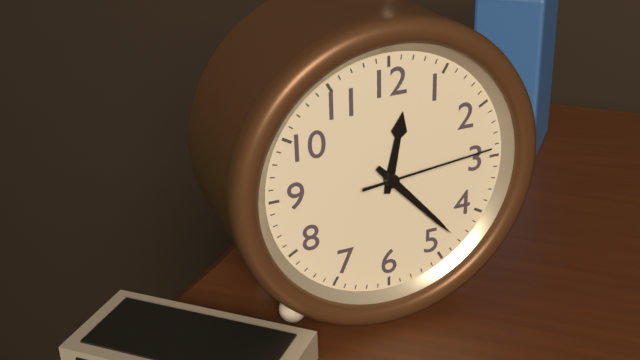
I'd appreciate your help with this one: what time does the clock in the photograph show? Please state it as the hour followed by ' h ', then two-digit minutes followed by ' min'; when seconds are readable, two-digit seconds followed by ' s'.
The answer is 12 h 23 min 14 s
